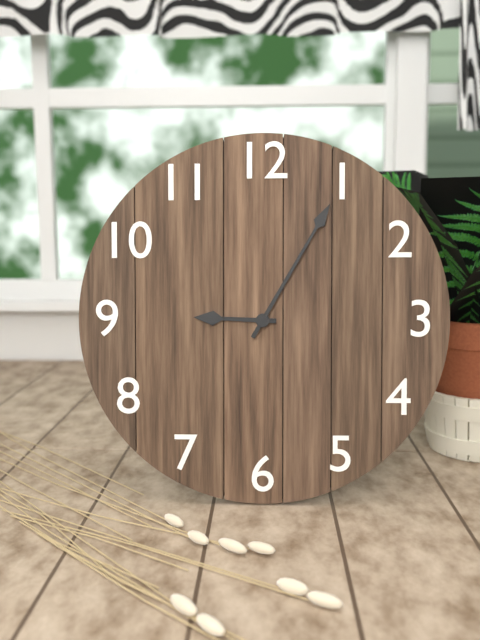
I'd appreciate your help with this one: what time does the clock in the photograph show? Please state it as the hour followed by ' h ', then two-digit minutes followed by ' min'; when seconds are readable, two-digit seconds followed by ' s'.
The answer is 9 h 05 min
